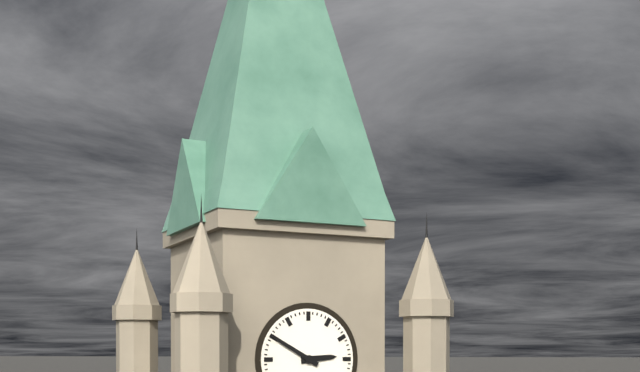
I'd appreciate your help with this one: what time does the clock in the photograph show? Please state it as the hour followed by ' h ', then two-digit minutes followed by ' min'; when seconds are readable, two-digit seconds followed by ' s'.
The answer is 2 h 50 min
